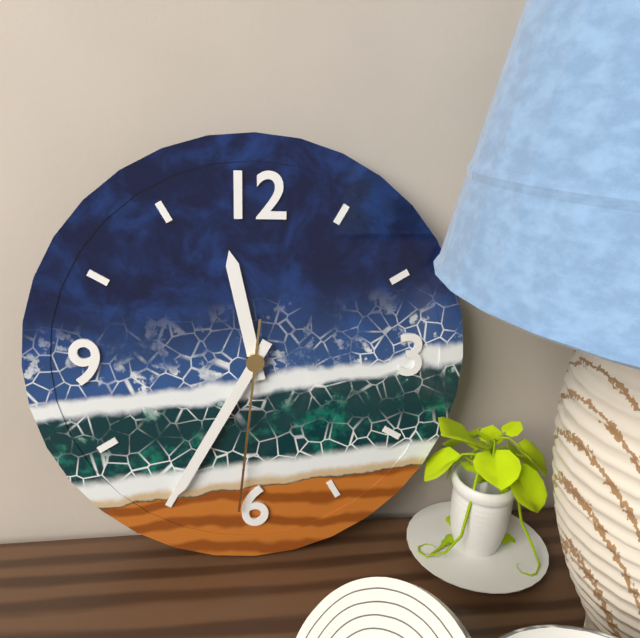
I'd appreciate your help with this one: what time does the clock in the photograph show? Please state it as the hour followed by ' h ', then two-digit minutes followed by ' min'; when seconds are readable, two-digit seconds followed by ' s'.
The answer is 11 h 35 min 31 s
